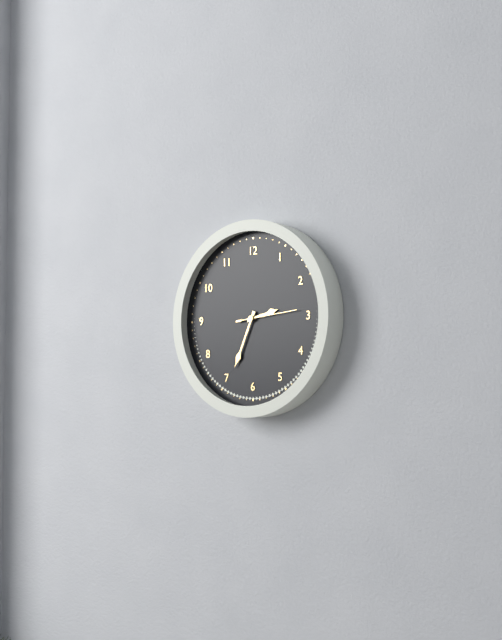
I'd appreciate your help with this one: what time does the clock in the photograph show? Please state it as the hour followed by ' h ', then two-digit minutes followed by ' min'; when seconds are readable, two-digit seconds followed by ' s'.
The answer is 2 h 34 min 14 s
